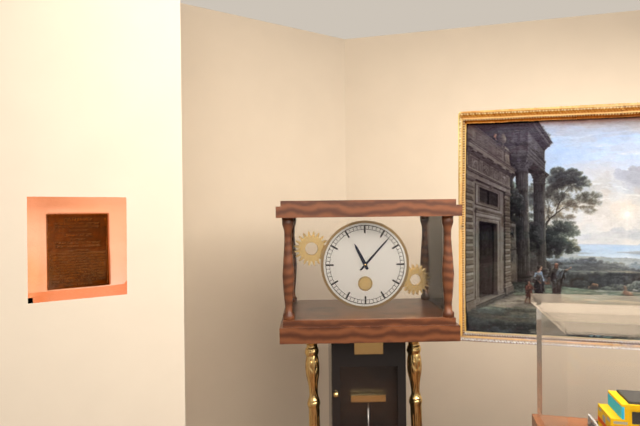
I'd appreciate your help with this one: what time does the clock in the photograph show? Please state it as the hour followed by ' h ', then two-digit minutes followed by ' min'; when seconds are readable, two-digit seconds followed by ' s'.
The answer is 11 h 07 min
